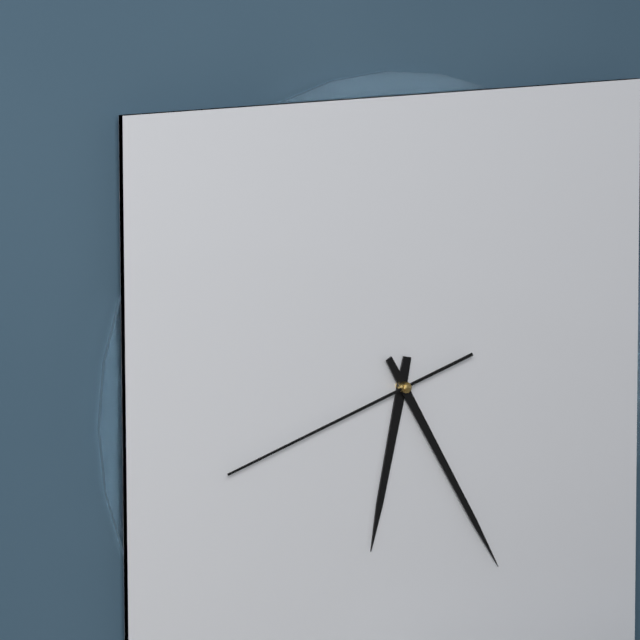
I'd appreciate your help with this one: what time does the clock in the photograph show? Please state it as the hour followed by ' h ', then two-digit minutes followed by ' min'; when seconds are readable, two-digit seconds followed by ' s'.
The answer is 6 h 25 min 42 s
